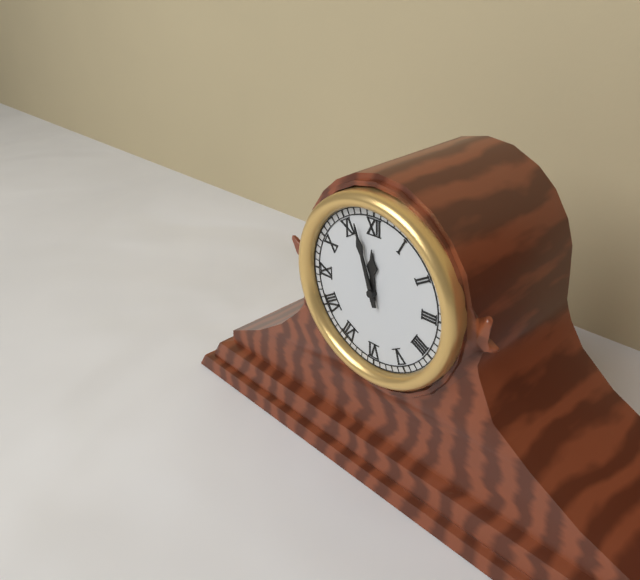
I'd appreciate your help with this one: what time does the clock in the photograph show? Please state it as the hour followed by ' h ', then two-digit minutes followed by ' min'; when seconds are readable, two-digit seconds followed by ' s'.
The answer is 11 h 57 min
